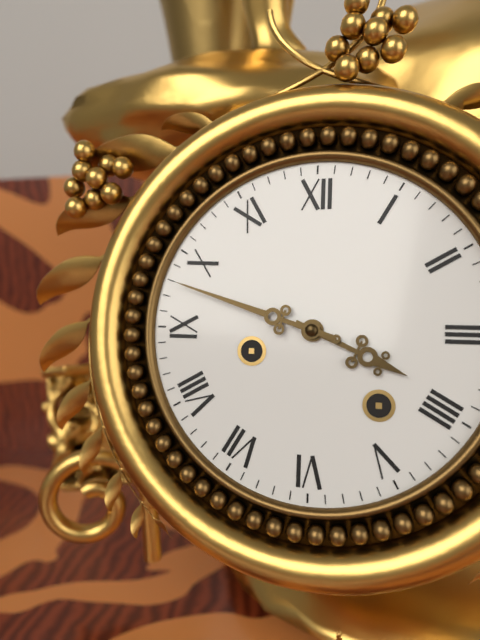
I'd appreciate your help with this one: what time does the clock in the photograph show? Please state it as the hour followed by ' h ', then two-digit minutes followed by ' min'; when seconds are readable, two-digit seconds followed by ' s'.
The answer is 3 h 48 min
